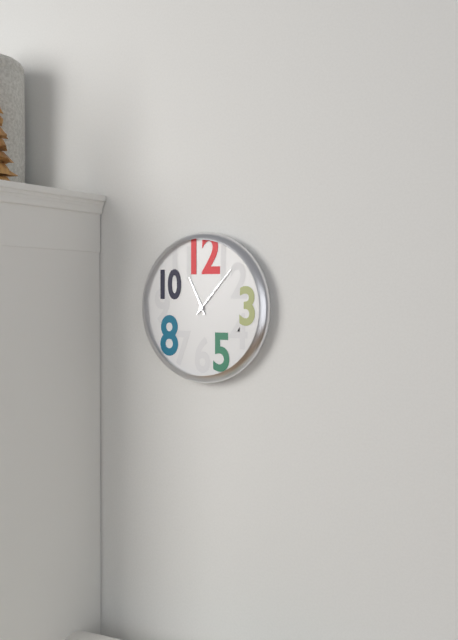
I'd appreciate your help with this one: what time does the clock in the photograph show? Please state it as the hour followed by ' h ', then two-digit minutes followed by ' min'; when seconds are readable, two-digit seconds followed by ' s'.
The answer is 11 h 07 min
